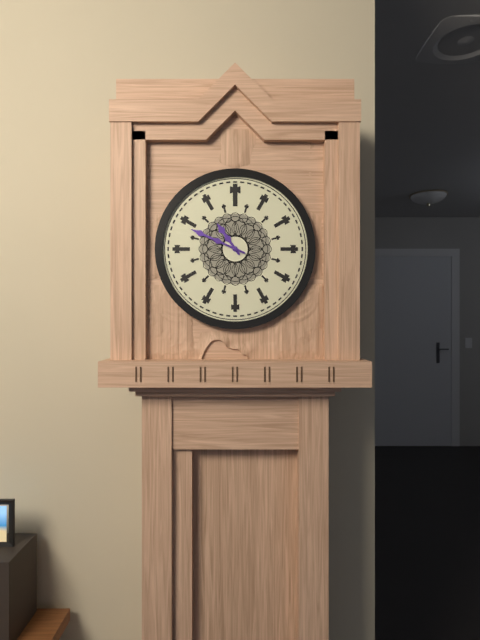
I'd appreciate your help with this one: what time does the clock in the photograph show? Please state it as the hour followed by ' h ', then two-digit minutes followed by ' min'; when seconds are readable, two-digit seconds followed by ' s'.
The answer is 10 h 49 min
